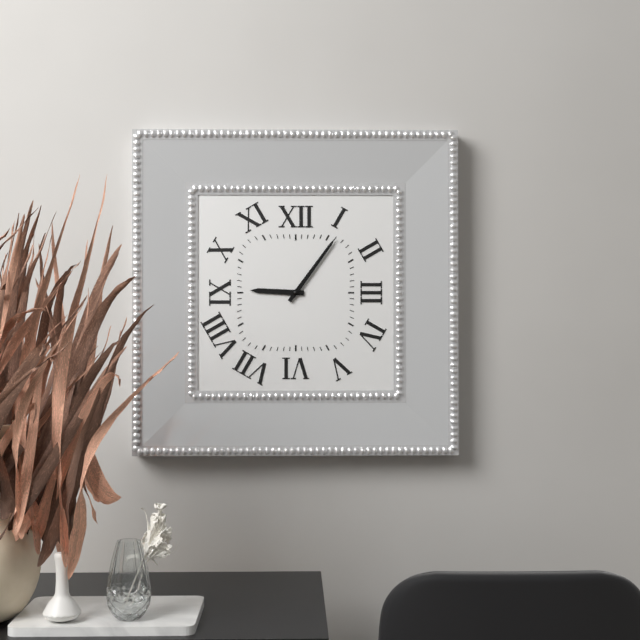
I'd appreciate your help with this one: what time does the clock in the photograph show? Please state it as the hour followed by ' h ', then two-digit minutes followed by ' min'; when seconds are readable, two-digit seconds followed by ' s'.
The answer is 9 h 06 min
